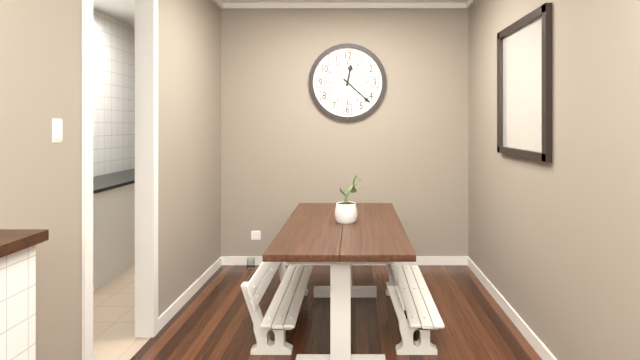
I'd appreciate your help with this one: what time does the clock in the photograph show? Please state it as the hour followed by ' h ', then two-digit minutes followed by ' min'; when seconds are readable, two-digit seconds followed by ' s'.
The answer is 12 h 22 min
